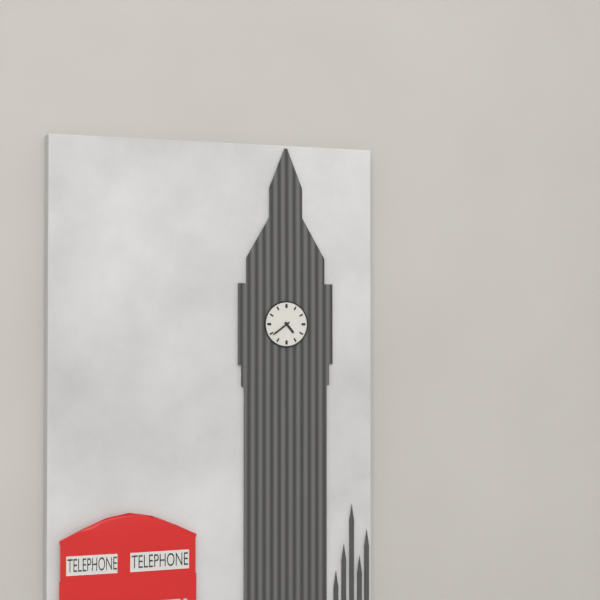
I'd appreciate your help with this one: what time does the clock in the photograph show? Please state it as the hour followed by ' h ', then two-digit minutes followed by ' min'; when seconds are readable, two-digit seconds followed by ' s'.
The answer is 4 h 39 min
